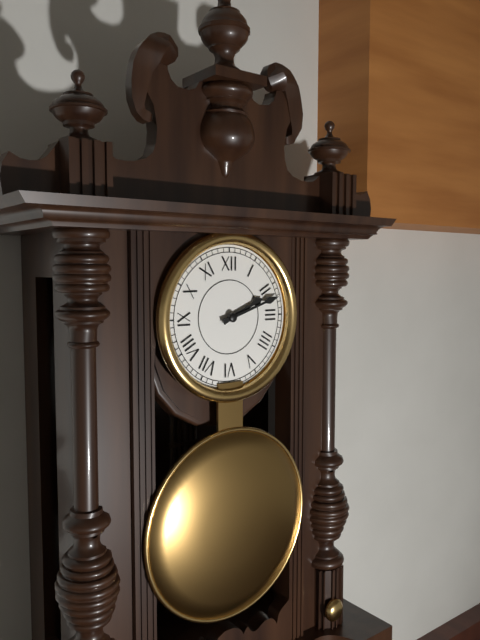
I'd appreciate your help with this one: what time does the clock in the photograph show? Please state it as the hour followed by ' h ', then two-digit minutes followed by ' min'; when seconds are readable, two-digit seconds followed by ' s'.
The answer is 2 h 12 min
